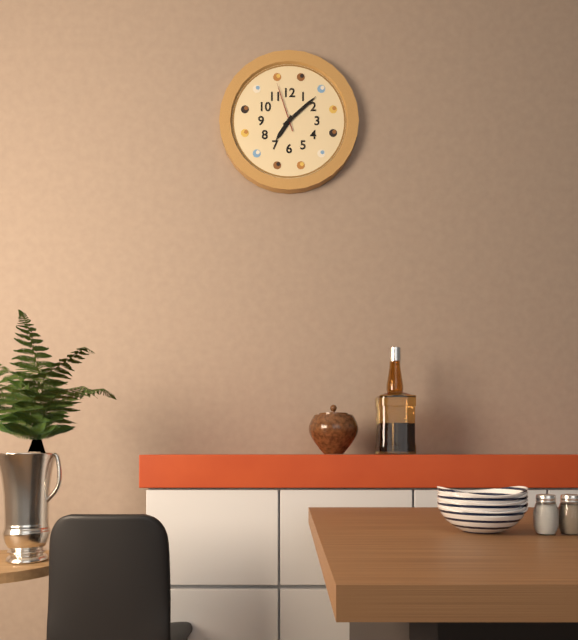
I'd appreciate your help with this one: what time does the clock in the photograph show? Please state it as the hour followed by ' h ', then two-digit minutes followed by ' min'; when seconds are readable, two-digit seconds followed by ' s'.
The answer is 7 h 08 min 57 s
